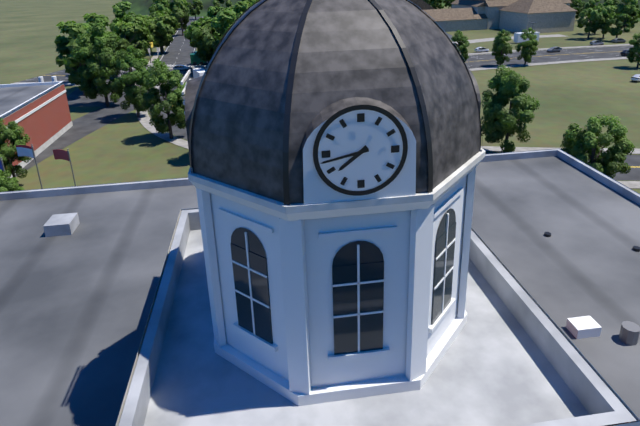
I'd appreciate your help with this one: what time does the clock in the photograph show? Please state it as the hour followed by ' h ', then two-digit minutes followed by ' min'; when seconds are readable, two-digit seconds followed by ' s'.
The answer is 7 h 43 min
